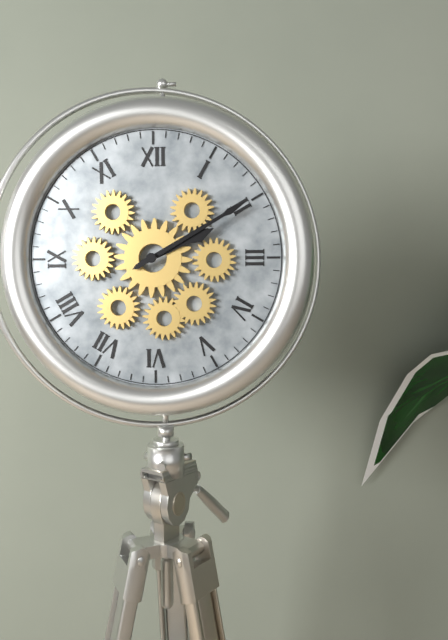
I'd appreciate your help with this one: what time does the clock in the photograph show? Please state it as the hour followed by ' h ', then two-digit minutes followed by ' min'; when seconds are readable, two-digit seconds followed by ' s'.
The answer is 2 h 10 min
